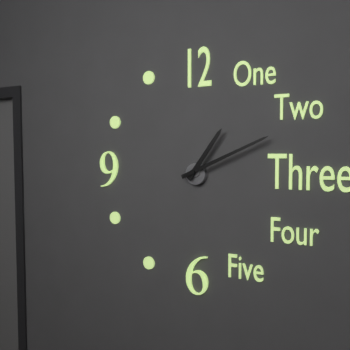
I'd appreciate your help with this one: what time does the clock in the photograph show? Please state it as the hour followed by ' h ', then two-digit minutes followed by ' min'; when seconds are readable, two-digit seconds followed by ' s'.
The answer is 1 h 11 min
